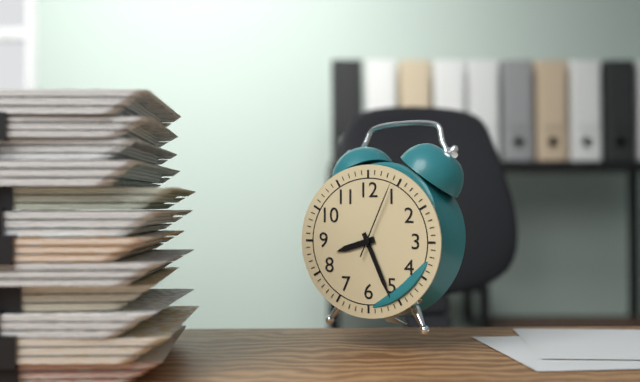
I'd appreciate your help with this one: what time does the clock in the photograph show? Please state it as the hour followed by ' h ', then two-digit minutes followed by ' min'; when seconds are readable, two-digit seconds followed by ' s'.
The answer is 8 h 26 min 04 s
